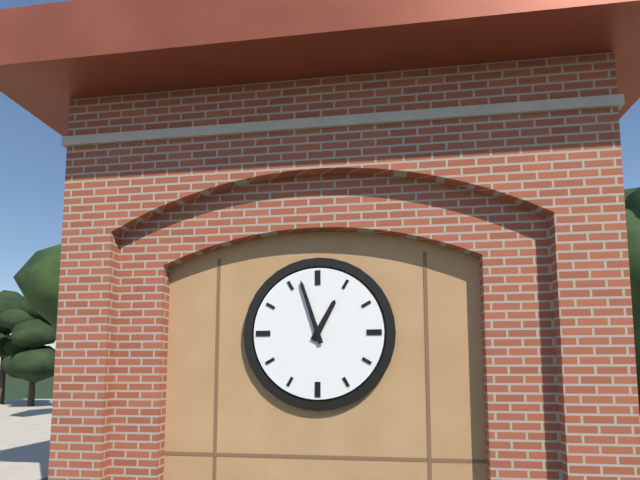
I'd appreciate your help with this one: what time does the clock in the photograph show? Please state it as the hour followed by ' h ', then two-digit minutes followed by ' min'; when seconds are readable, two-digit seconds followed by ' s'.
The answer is 12 h 57 min
